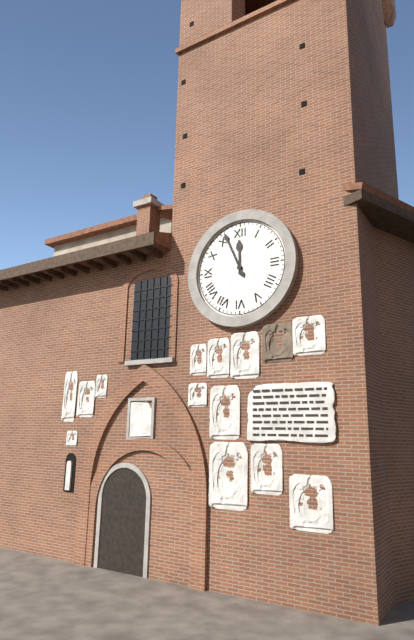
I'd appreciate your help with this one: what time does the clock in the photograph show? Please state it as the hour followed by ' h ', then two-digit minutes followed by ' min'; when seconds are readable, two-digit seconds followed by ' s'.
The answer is 11 h 56 min
